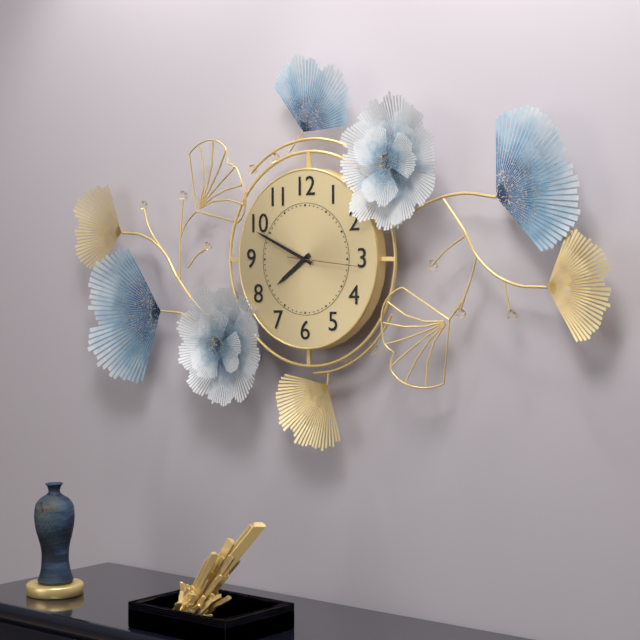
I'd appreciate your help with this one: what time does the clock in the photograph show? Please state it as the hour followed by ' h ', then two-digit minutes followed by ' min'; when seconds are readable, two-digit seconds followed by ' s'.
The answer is 7 h 49 min 16 s
